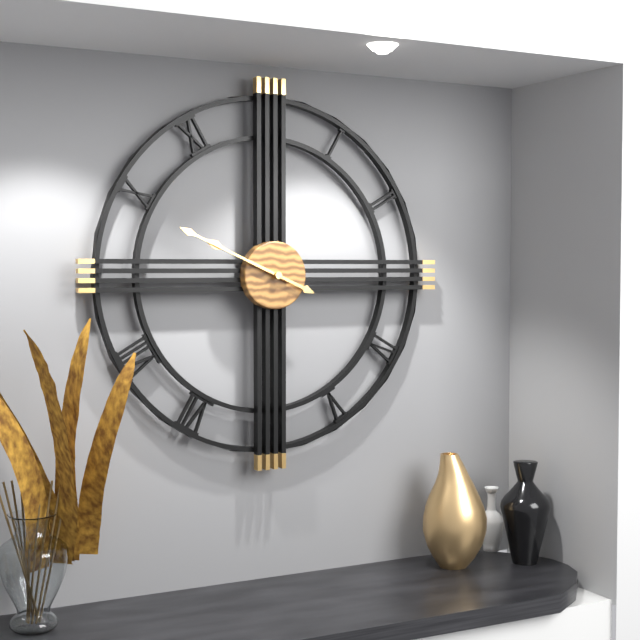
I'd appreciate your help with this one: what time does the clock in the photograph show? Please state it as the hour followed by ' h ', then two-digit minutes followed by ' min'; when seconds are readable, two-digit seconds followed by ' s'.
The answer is 9 h 49 min
